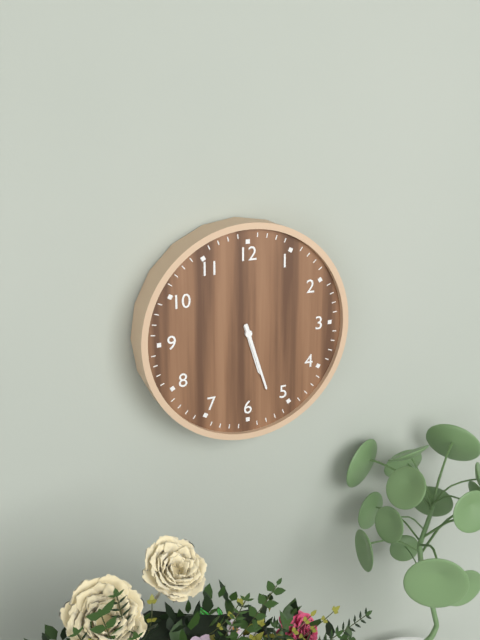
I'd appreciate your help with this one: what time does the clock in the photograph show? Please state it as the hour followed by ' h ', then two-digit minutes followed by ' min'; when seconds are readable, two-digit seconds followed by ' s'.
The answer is 5 h 27 min
